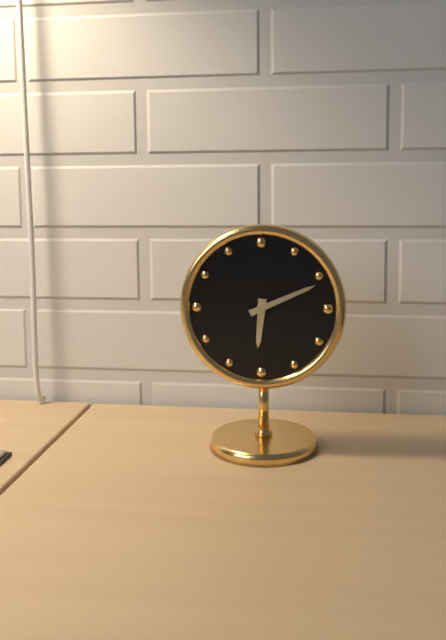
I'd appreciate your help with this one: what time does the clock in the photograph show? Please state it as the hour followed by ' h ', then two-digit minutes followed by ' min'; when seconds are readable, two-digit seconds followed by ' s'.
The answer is 6 h 11 min
